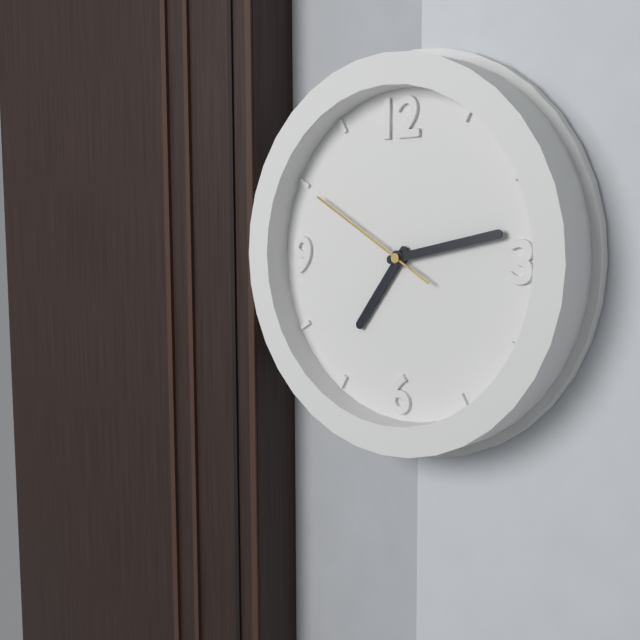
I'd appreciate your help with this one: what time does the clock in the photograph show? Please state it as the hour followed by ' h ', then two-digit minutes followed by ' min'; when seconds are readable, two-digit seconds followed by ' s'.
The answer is 7 h 13 min 50 s
